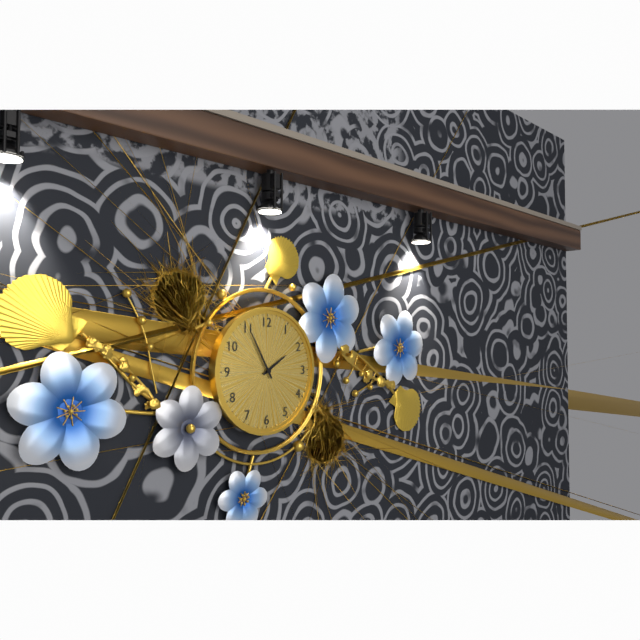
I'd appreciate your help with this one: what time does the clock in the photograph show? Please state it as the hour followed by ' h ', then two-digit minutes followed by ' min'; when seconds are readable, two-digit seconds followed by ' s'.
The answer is 1 h 55 min
